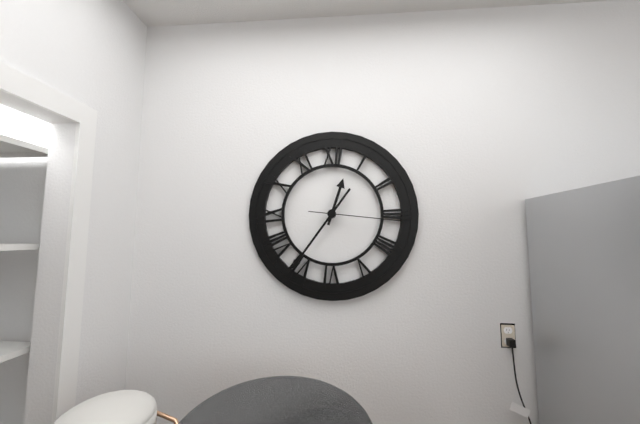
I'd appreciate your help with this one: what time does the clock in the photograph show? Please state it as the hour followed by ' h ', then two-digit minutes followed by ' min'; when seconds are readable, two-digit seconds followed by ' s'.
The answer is 12 h 36 min 16 s
